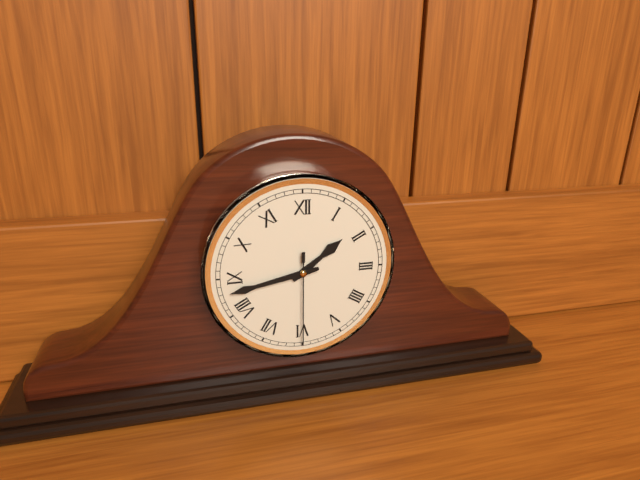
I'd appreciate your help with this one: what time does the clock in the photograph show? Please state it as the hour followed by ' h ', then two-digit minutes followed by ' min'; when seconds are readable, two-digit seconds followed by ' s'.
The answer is 1 h 43 min 30 s
